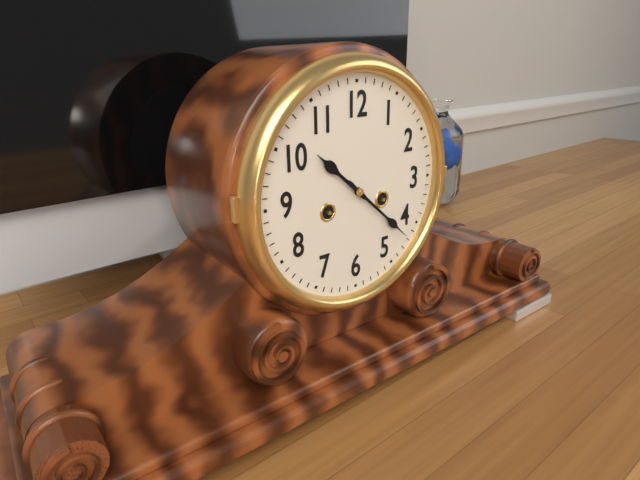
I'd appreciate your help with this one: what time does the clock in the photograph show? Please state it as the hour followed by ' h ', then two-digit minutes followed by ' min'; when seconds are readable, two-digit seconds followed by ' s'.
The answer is 10 h 22 min
